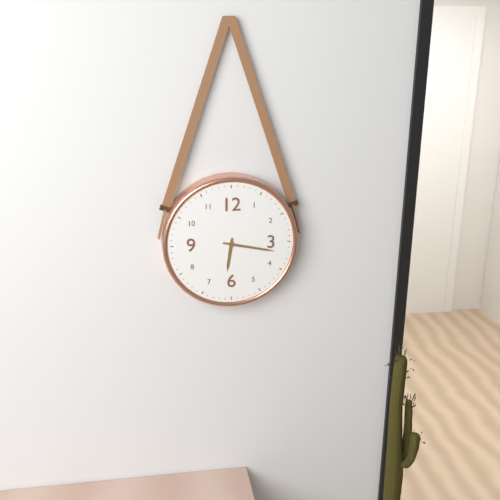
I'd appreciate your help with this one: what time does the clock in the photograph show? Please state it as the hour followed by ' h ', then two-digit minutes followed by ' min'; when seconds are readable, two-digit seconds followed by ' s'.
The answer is 6 h 17 min
